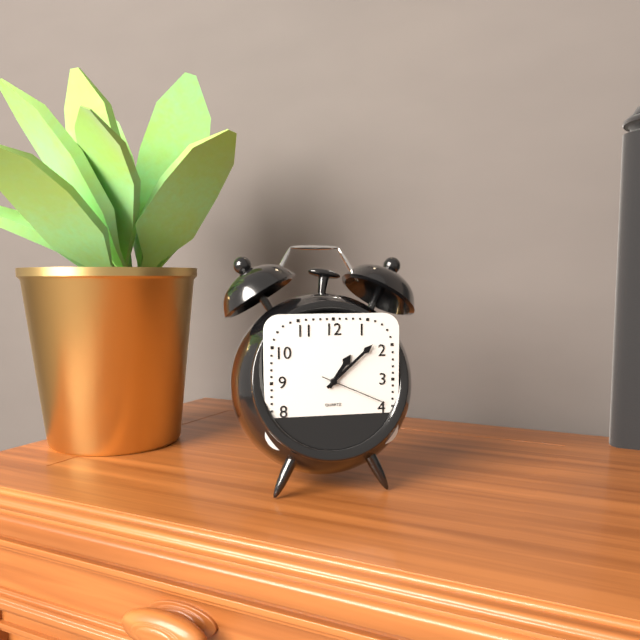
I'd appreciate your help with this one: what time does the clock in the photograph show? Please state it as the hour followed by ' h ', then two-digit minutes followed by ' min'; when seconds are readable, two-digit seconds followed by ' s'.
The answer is 1 h 08 min 19 s
